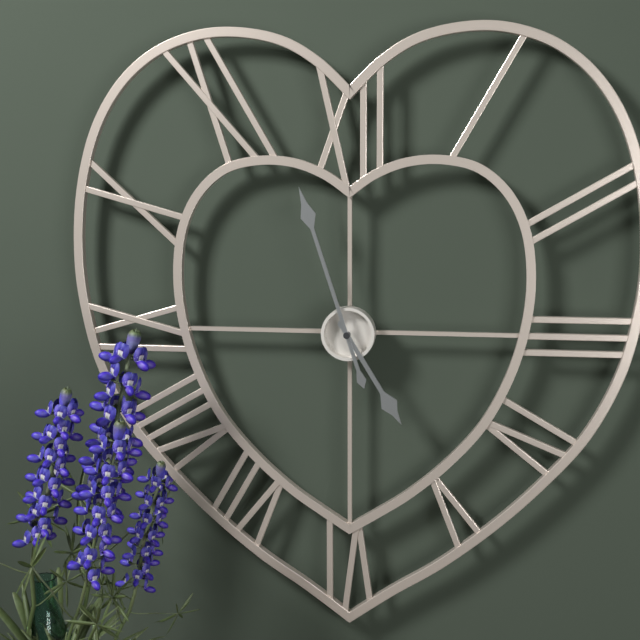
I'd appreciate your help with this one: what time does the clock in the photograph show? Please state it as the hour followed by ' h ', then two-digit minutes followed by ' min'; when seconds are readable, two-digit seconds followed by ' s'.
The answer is 4 h 57 min
